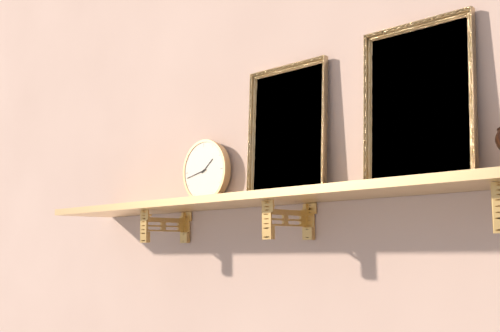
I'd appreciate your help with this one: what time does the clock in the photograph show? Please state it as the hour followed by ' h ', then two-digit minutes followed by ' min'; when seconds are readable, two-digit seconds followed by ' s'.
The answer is 1 h 43 min
